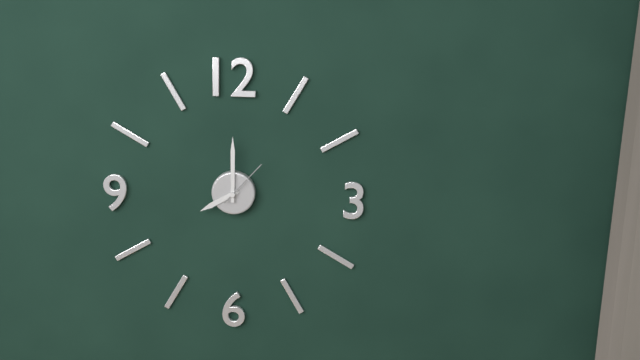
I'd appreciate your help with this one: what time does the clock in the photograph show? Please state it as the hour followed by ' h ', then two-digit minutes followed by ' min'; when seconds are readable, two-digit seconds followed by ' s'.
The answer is 8 h 00 min 07 s
